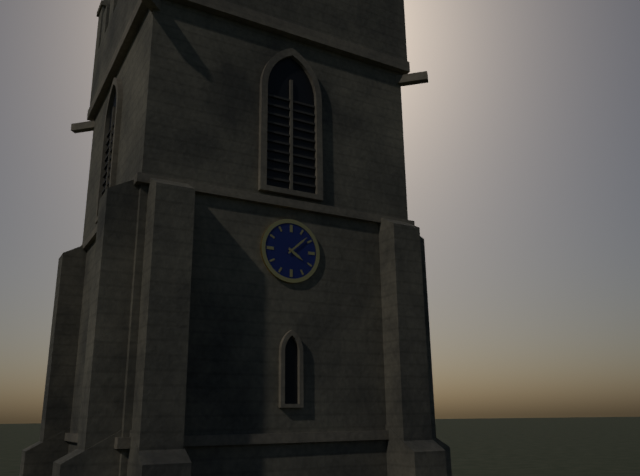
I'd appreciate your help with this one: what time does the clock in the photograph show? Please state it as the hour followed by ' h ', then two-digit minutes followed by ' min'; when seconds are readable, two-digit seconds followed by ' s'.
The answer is 4 h 08 min
